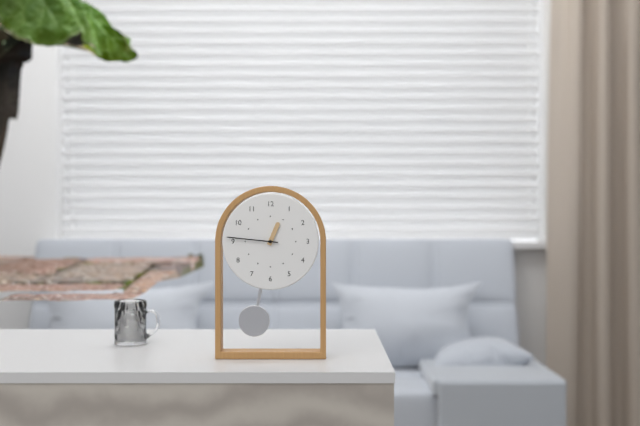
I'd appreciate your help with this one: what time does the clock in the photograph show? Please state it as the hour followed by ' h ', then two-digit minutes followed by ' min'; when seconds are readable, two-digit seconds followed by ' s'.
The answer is 12 h 46 min
